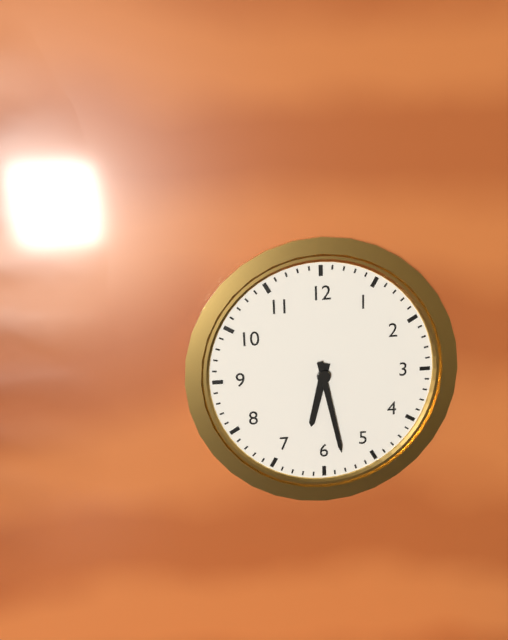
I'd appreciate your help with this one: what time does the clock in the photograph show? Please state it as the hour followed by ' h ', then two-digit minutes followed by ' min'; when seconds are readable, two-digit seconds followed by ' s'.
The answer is 6 h 28 min
